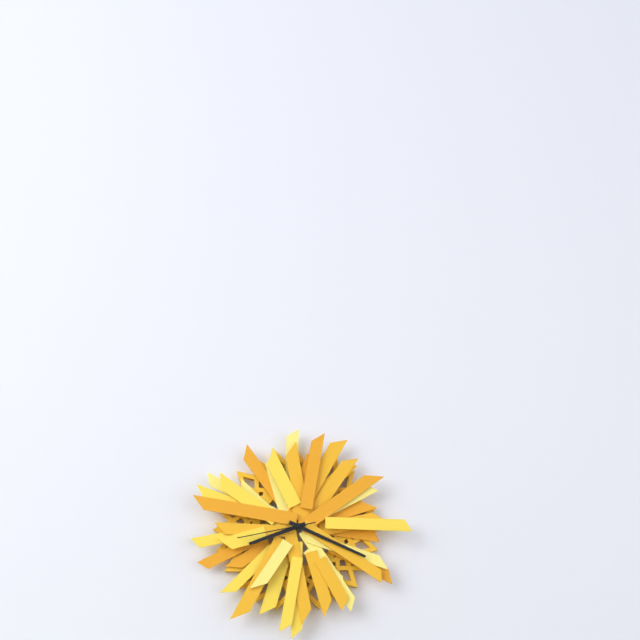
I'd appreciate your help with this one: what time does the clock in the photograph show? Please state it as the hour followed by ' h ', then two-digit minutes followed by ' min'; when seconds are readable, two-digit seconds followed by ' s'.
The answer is 8 h 19 min 43 s
